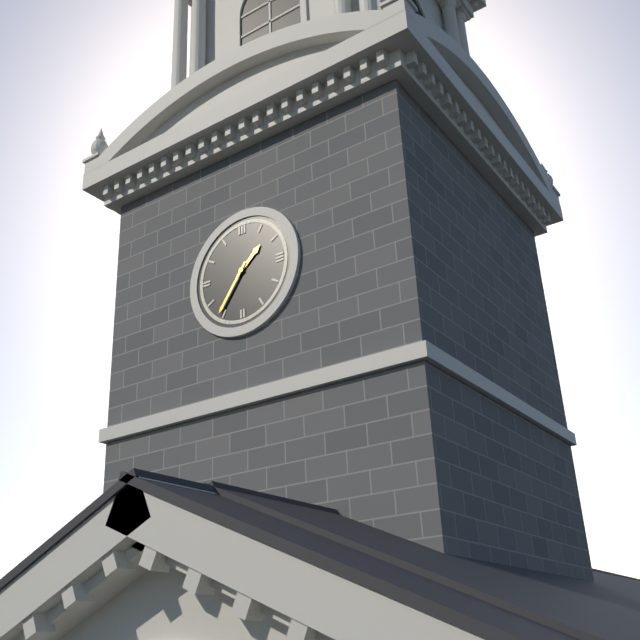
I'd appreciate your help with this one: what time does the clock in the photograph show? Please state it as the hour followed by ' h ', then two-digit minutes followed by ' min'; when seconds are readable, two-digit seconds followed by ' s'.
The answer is 1 h 36 min
